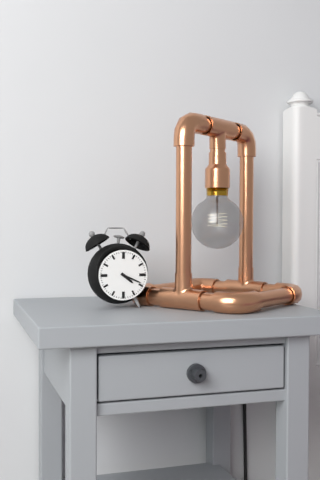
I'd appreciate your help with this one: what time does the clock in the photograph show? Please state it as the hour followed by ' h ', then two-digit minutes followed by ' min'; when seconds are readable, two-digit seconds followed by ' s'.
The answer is 4 h 19 min
